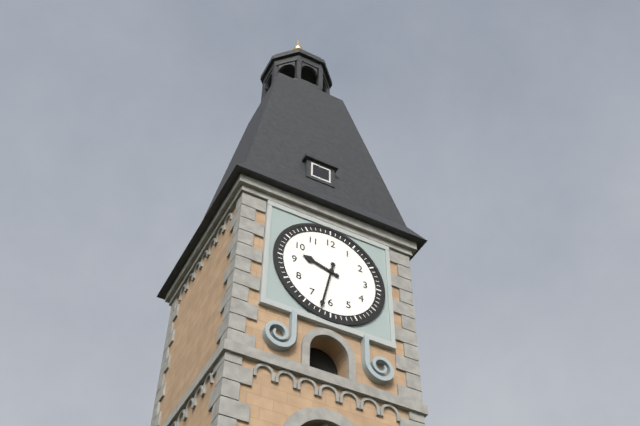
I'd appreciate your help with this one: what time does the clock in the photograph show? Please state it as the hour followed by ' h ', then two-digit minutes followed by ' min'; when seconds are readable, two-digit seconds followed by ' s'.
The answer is 9 h 32 min
